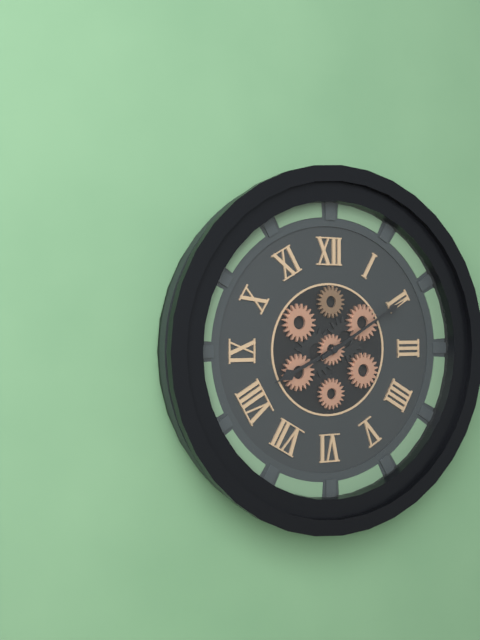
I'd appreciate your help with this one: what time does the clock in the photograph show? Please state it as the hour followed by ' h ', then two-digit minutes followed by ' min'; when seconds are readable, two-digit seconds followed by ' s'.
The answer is 8 h 10 min
